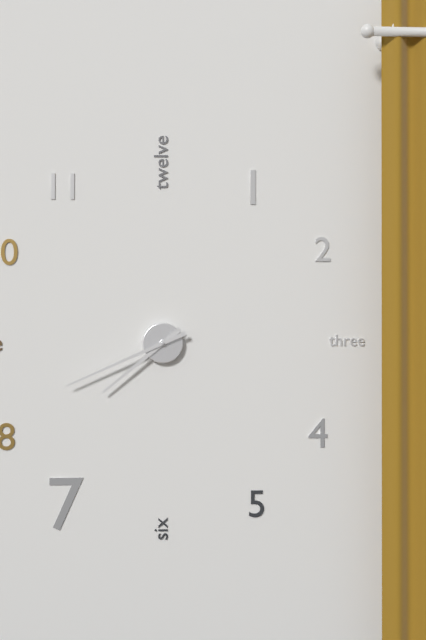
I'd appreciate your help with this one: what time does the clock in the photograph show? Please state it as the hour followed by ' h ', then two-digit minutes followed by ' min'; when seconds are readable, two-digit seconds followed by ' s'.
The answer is 7 h 41 min
